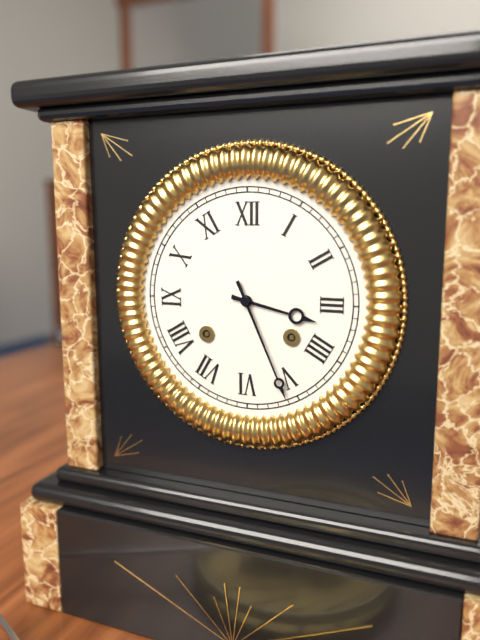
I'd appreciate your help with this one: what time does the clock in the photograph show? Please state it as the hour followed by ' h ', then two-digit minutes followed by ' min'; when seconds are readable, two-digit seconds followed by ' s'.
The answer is 3 h 26 min
